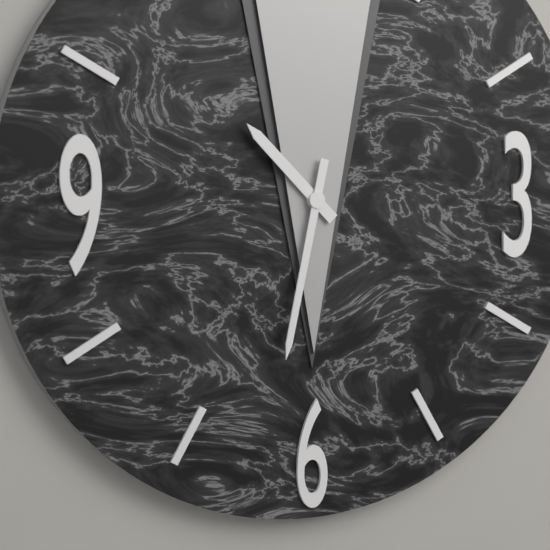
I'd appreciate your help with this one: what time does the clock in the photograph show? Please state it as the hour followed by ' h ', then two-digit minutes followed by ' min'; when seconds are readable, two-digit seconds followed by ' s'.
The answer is 10 h 32 min
